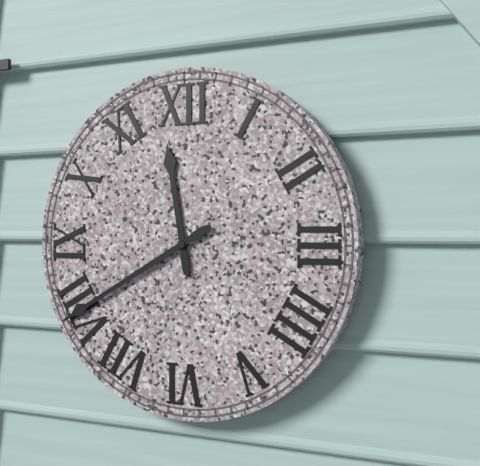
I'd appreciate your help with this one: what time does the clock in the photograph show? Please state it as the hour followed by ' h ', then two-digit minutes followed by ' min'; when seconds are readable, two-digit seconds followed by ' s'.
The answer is 11 h 40 min
